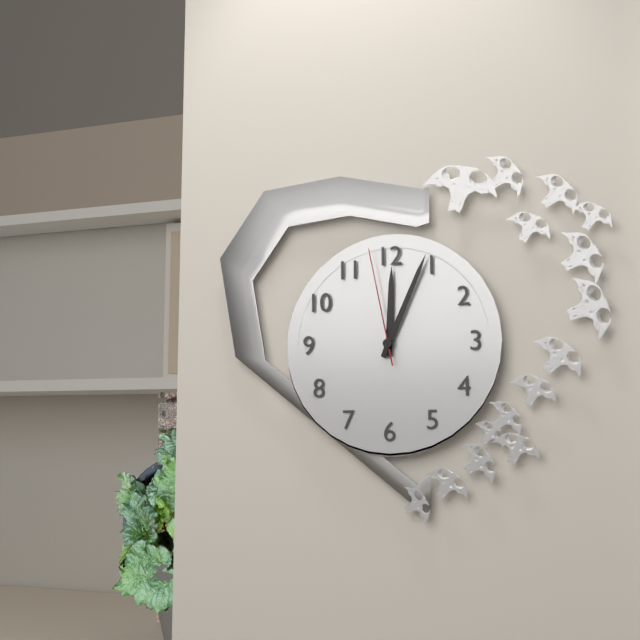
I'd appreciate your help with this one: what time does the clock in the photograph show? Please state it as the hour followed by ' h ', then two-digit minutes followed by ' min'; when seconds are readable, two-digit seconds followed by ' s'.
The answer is 12 h 04 min 58 s
